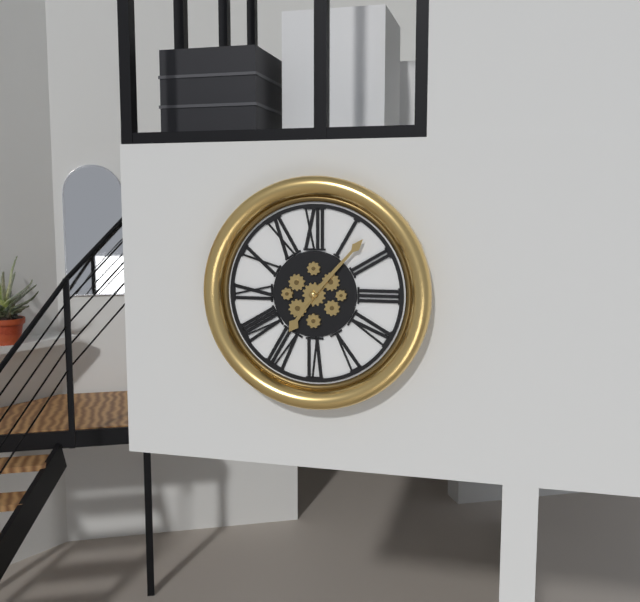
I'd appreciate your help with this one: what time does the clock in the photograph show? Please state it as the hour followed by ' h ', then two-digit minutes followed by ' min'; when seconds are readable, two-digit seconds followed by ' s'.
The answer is 7 h 07 min
